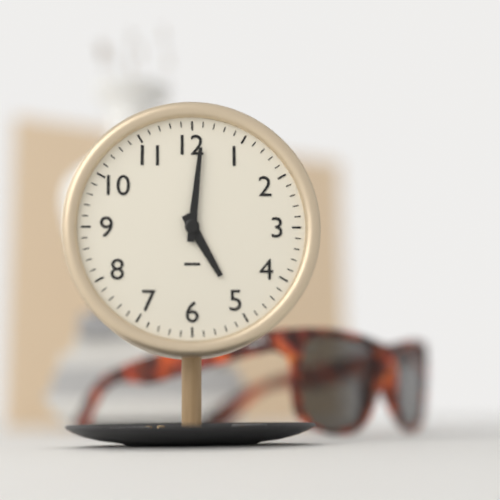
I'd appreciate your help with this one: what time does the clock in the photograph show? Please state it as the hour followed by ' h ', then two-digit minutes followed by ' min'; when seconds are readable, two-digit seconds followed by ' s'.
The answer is 5 h 01 min
